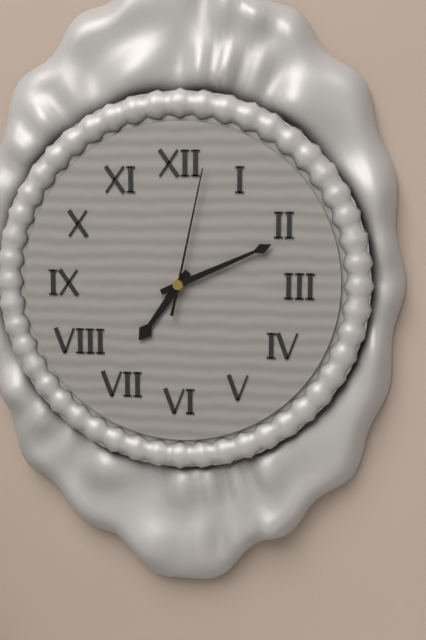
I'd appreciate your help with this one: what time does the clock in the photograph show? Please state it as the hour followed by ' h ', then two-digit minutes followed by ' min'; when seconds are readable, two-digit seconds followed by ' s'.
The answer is 7 h 11 min 02 s
